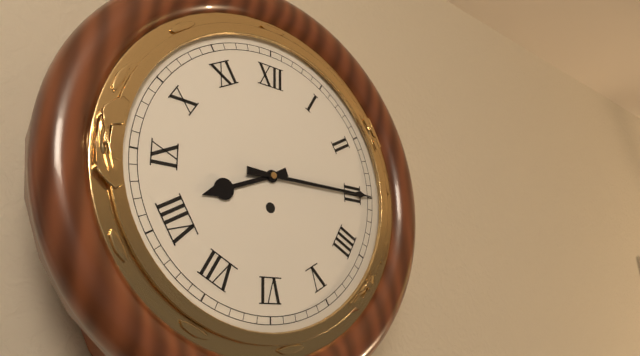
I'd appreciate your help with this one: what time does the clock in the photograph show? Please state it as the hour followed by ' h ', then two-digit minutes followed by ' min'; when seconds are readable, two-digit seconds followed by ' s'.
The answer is 8 h 15 min
